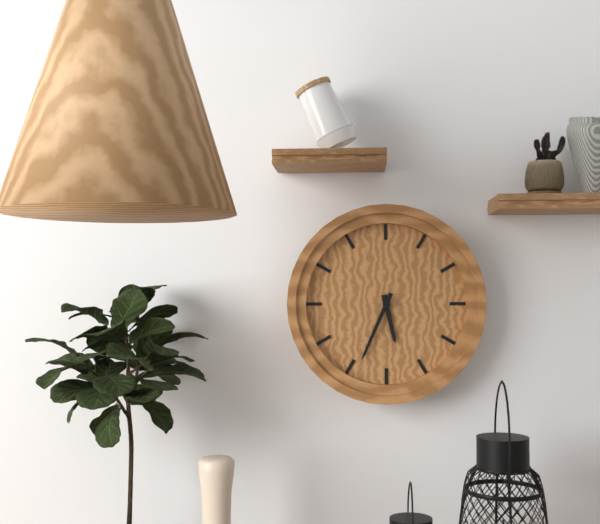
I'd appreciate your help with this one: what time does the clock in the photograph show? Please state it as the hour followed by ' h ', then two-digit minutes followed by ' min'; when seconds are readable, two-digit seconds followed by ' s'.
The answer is 5 h 34 min
